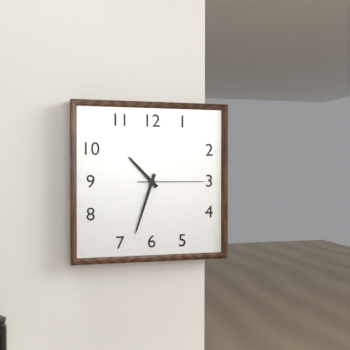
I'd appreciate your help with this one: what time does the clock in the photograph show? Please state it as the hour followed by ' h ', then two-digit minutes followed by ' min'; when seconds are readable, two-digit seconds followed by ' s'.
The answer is 10 h 33 min 15 s
